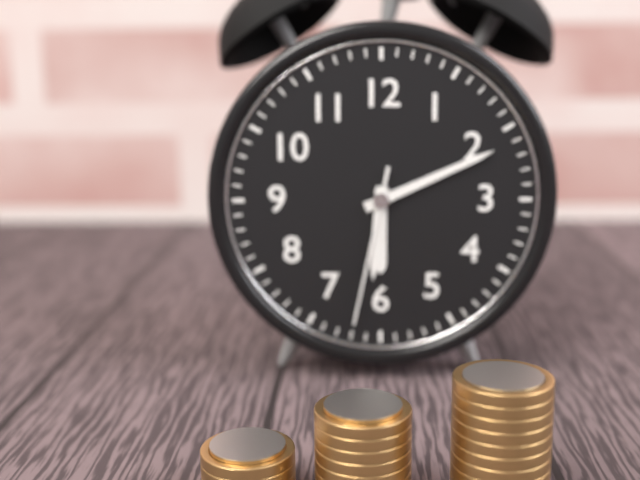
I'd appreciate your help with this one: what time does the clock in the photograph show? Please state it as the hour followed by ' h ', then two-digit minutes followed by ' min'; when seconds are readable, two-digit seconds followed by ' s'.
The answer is 6 h 11 min 32 s
